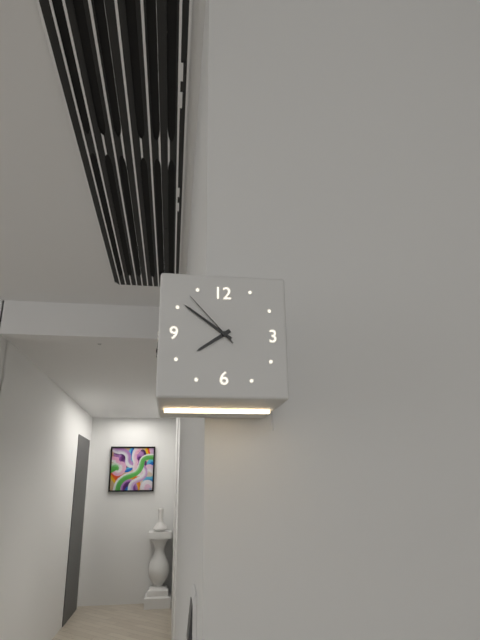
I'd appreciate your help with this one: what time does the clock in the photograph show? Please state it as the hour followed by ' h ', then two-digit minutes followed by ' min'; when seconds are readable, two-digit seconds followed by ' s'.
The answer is 7 h 51 min 53 s
